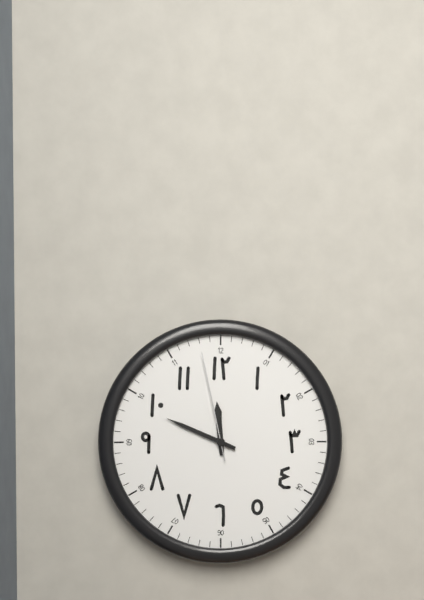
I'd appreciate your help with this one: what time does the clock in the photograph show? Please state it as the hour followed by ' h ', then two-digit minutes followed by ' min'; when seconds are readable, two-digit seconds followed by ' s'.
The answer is 11 h 49 min 58 s
